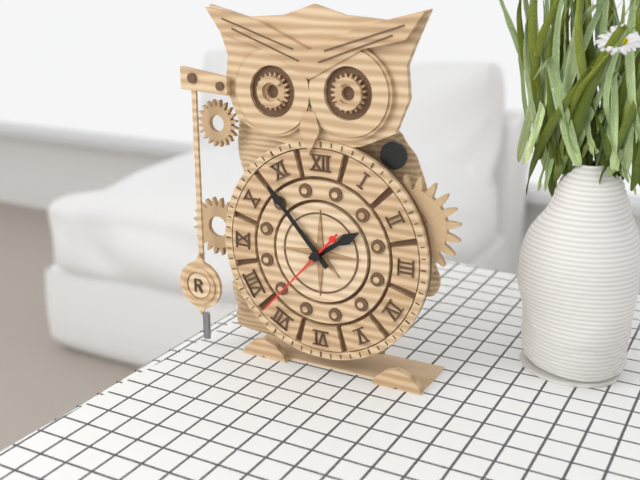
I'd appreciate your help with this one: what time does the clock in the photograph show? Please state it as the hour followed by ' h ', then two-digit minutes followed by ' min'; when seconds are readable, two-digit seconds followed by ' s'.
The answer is 1 h 53 min 37 s
